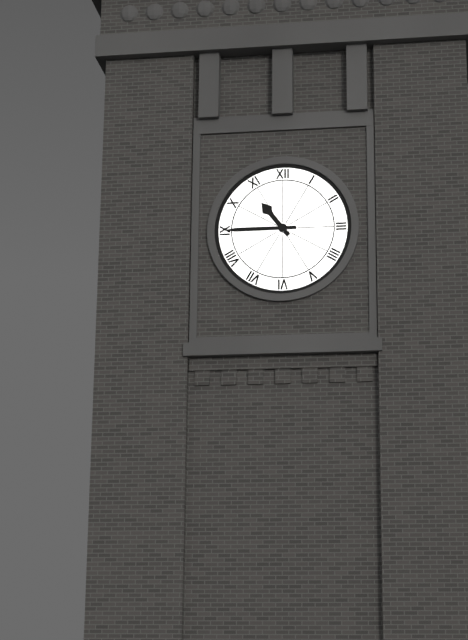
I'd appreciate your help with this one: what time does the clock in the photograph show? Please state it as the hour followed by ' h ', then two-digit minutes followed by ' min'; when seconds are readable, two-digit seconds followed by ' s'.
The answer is 10 h 45 min
